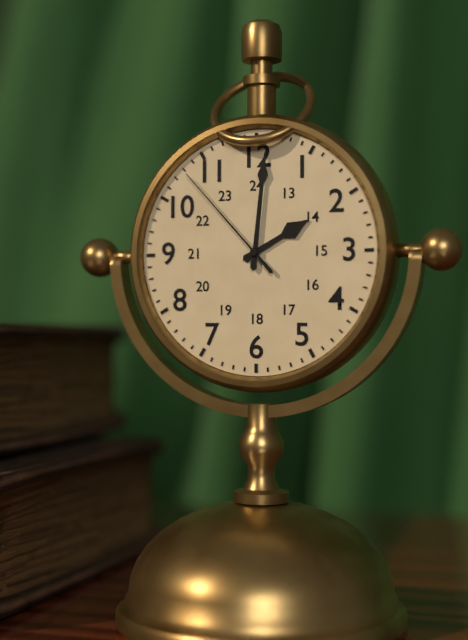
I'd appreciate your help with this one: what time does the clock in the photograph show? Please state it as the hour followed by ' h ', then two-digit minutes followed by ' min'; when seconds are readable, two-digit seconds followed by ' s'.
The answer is 2 h 01 min 53 s
